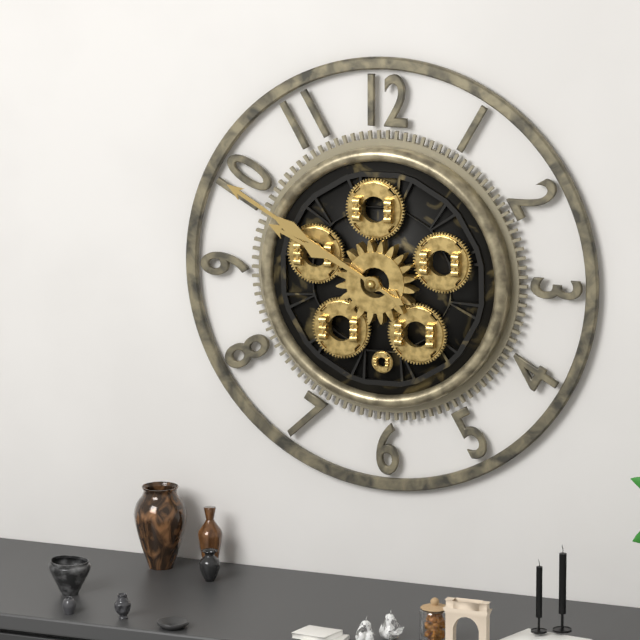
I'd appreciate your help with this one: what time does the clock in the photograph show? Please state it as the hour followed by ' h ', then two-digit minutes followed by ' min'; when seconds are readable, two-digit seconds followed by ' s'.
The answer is 9 h 50 min
